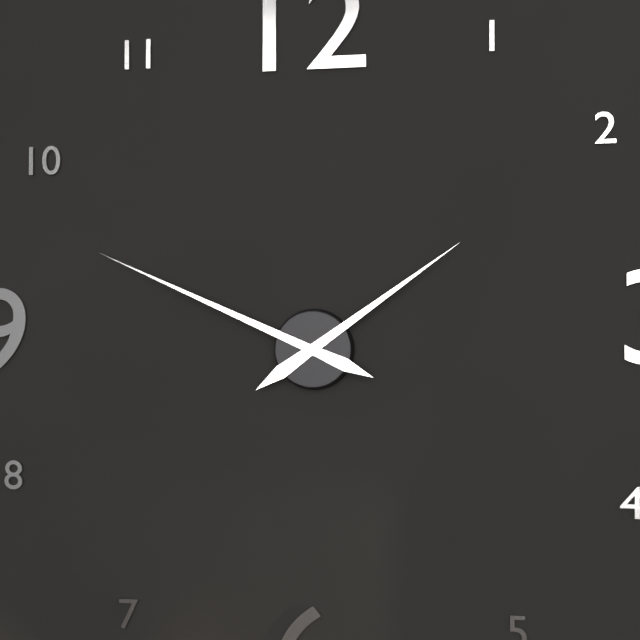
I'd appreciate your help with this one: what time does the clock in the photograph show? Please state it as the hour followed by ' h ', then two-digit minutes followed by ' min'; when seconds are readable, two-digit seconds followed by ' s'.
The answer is 1 h 49 min
